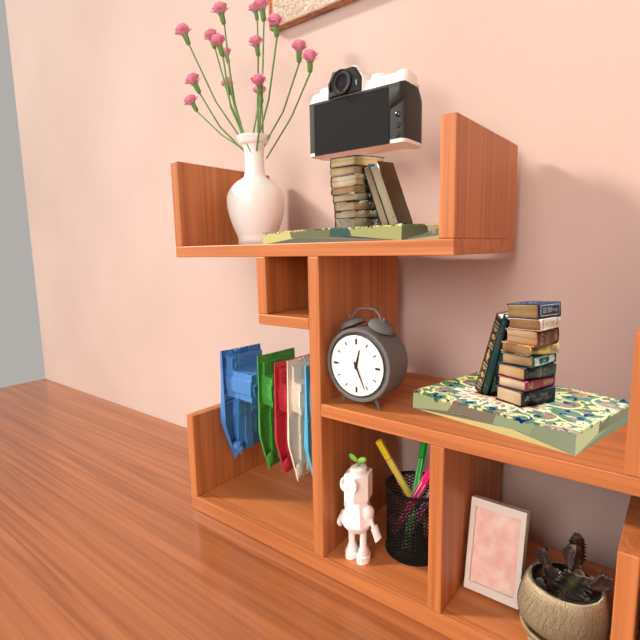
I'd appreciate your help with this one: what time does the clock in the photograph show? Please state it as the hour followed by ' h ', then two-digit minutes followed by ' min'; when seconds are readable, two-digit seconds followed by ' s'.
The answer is 12 h 26 min
